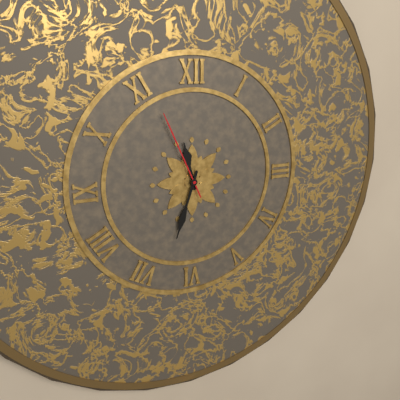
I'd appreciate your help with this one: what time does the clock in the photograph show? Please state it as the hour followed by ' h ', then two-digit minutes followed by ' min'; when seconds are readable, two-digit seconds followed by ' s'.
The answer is 11 h 33 min 56 s
